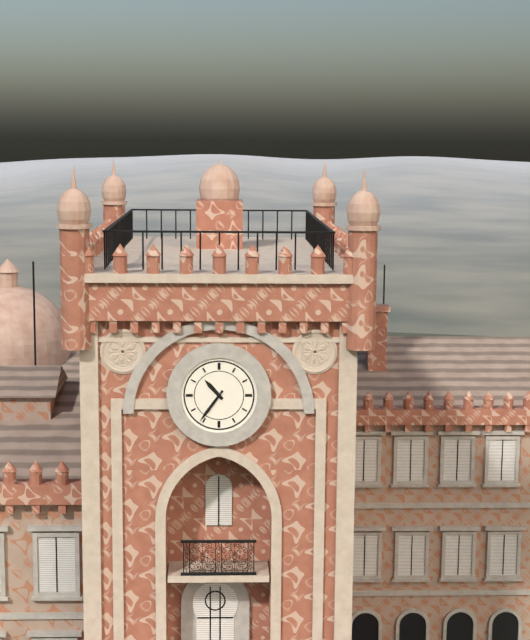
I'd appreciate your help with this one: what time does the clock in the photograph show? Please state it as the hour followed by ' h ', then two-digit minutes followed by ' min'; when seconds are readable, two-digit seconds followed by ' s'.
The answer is 10 h 36 min
